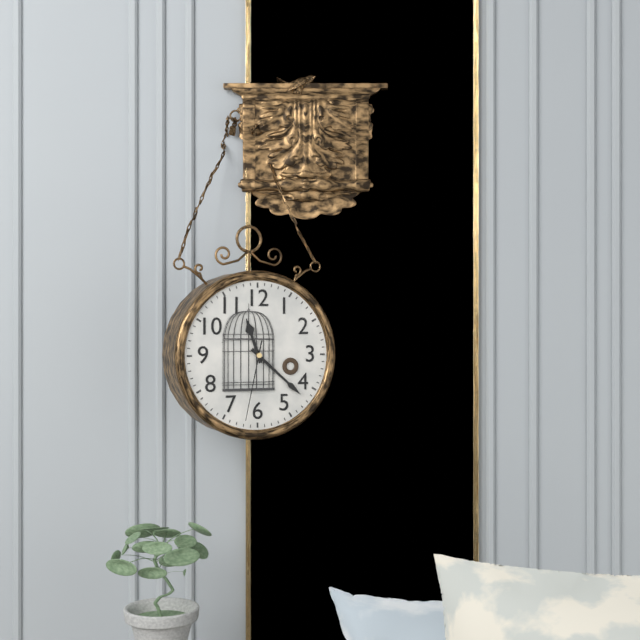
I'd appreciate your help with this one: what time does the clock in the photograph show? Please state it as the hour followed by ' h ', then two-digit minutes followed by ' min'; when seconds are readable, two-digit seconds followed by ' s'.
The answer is 11 h 22 min 32 s
